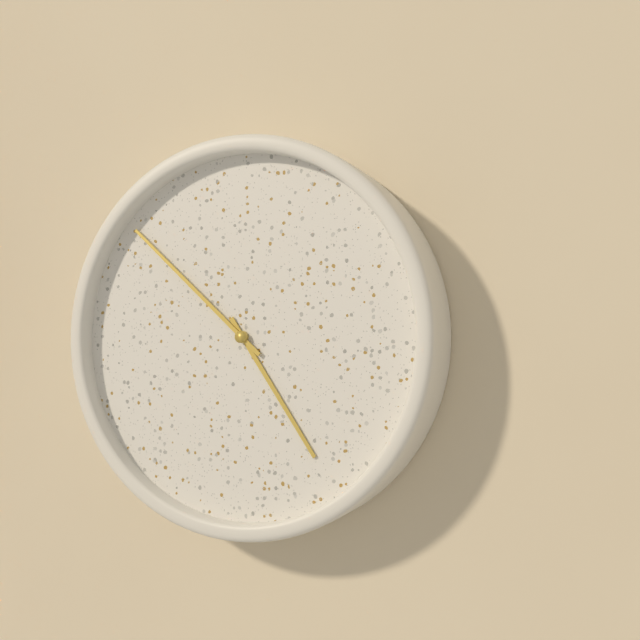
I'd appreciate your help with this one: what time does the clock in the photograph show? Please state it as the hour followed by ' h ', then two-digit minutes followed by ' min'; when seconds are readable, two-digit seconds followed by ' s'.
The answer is 4 h 52 min
